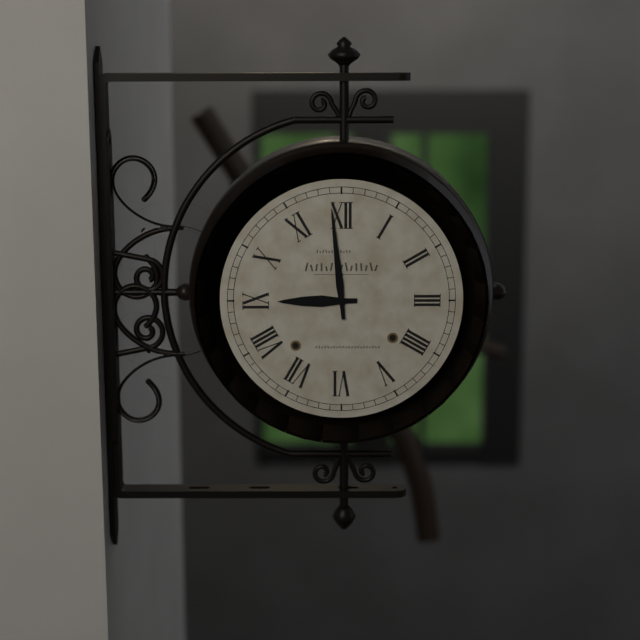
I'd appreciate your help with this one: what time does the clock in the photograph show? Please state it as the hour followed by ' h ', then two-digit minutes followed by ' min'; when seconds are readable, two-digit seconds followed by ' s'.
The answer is 8 h 59 min
